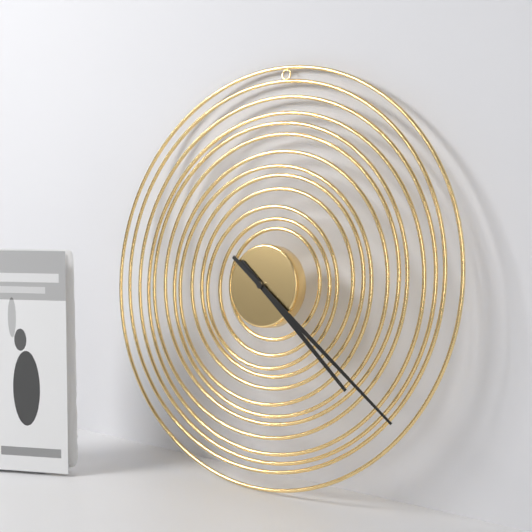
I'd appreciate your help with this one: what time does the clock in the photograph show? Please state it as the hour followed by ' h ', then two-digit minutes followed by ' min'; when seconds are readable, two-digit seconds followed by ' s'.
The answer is 4 h 21 min
